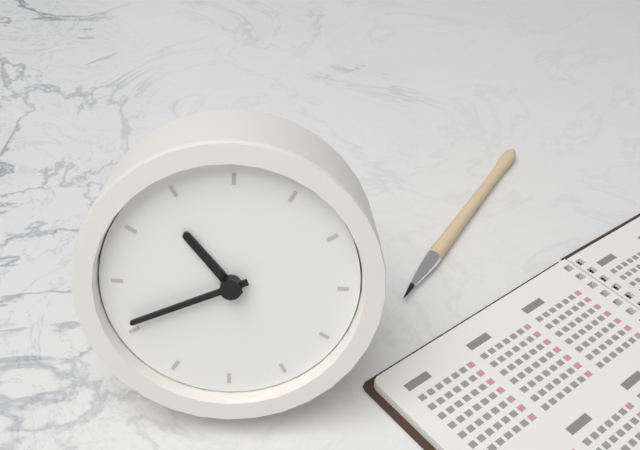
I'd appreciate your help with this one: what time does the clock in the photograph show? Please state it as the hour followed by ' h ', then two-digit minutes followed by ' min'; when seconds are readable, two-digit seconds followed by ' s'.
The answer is 10 h 41 min
